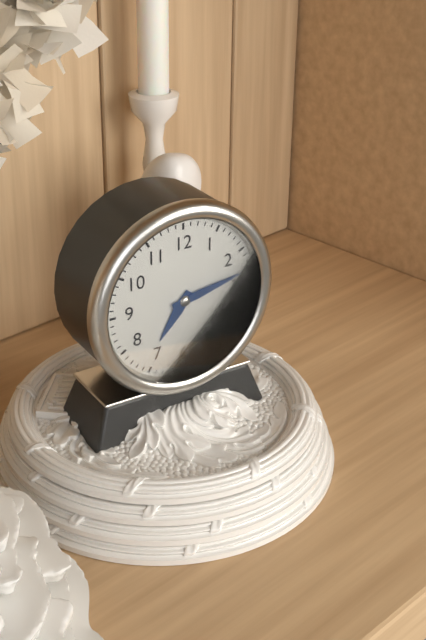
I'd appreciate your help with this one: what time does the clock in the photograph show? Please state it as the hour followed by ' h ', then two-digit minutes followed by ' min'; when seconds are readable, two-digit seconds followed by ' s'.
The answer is 7 h 13 min
